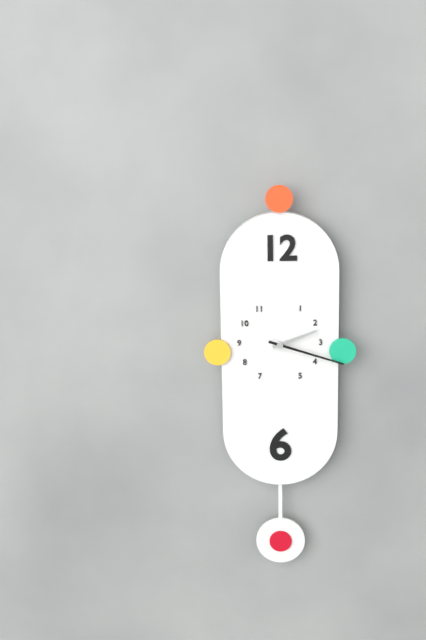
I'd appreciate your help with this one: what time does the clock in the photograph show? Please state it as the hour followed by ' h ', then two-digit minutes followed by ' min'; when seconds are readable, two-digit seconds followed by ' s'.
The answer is 2 h 18 min
